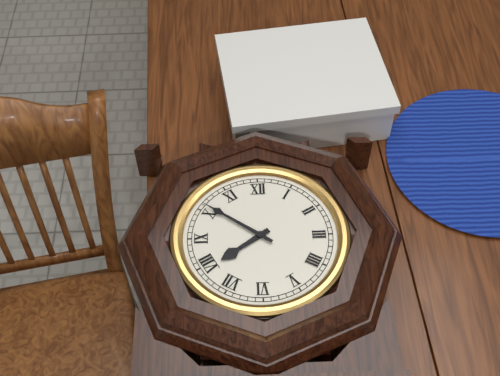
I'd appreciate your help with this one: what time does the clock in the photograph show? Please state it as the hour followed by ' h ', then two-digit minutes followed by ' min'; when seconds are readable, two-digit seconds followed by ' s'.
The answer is 7 h 51 min
